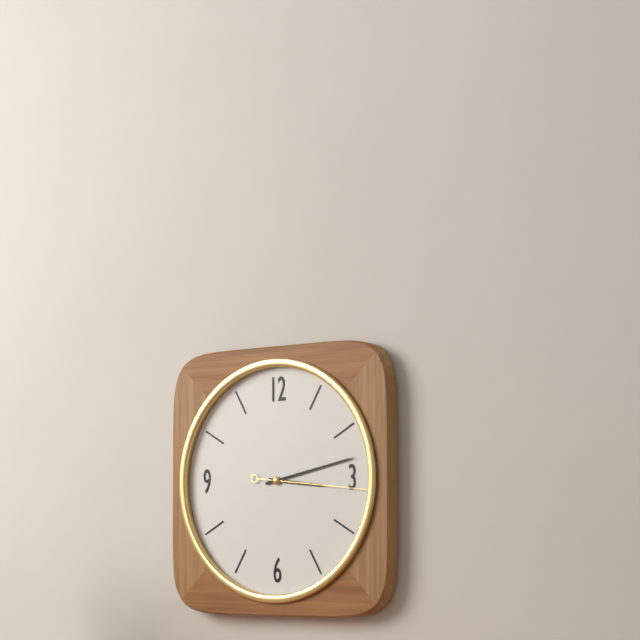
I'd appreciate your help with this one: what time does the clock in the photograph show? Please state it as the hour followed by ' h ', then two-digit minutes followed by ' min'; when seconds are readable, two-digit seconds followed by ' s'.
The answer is 3 h 13 min 16 s
